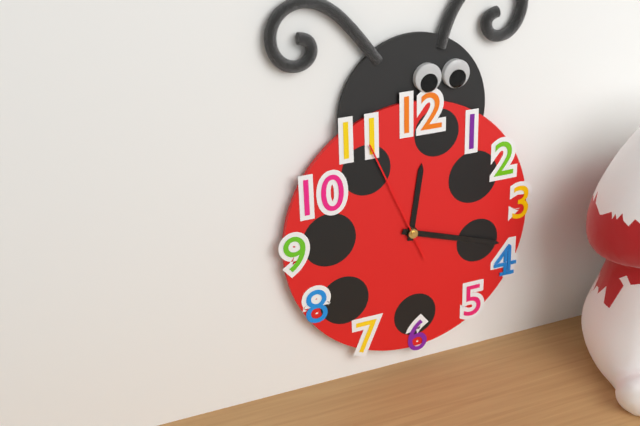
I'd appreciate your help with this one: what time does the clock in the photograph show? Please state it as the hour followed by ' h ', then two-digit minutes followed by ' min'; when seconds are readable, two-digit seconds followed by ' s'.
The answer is 12 h 18 min 56 s
